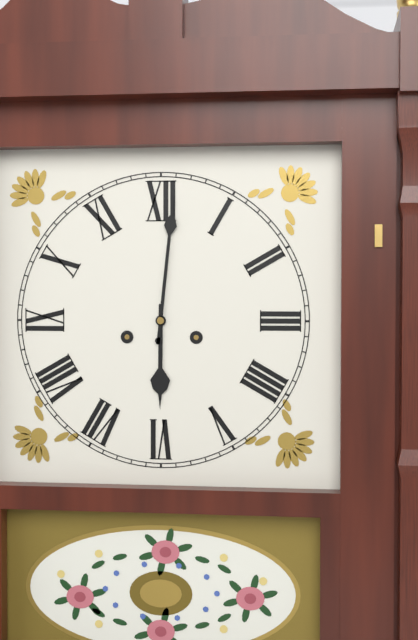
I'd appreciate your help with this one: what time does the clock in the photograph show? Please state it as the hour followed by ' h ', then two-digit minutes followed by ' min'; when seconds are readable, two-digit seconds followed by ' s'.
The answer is 6 h 01 min
